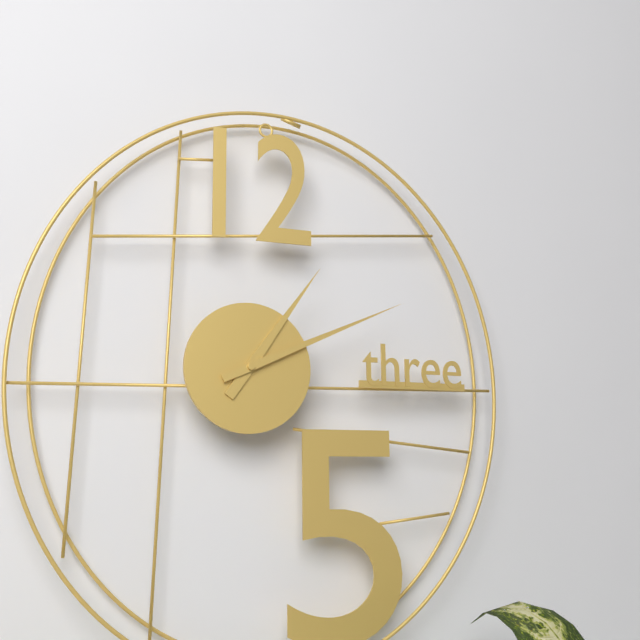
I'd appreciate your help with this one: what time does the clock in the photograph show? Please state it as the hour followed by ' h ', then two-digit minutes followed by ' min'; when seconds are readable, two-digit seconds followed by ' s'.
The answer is 1 h 11 min
